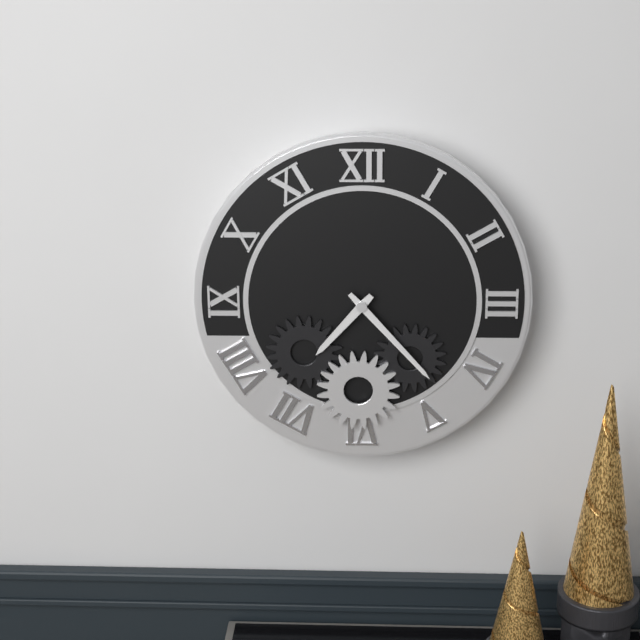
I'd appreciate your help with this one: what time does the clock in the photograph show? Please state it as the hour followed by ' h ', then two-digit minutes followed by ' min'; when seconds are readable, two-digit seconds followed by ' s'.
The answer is 7 h 23 min
